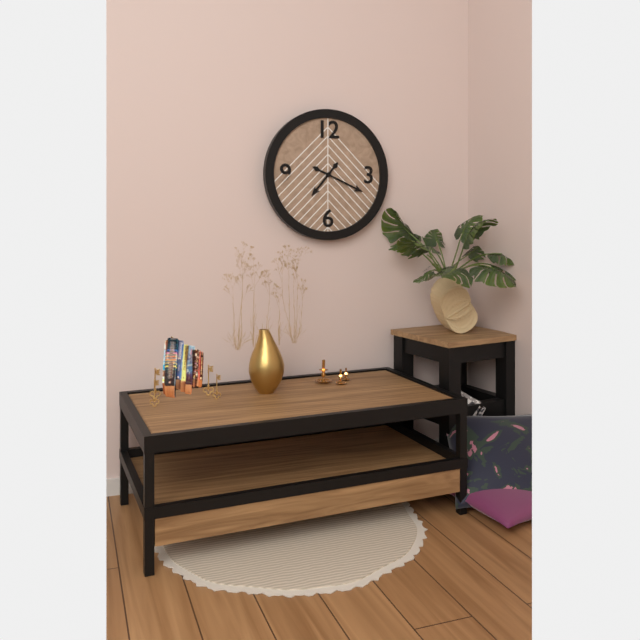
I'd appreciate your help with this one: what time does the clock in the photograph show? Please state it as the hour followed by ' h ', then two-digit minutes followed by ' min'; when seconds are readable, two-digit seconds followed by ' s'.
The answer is 7 h 19 min
